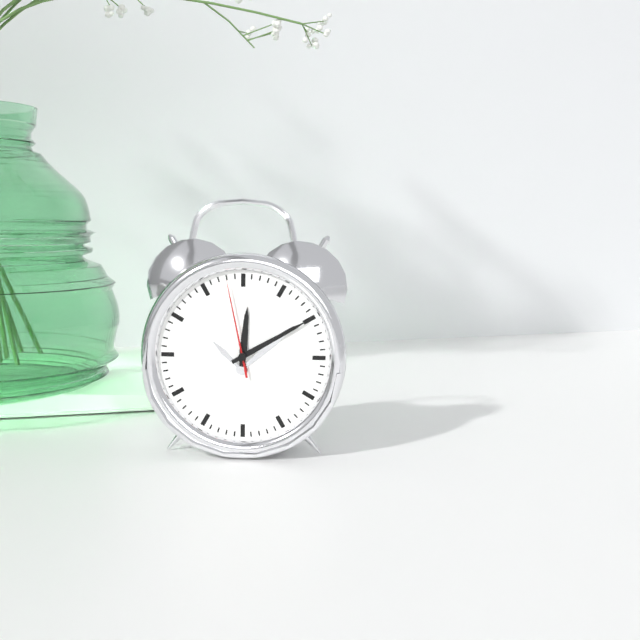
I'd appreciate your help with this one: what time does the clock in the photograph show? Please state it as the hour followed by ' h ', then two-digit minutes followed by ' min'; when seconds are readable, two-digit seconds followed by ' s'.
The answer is 12 h 10 min 58 s
